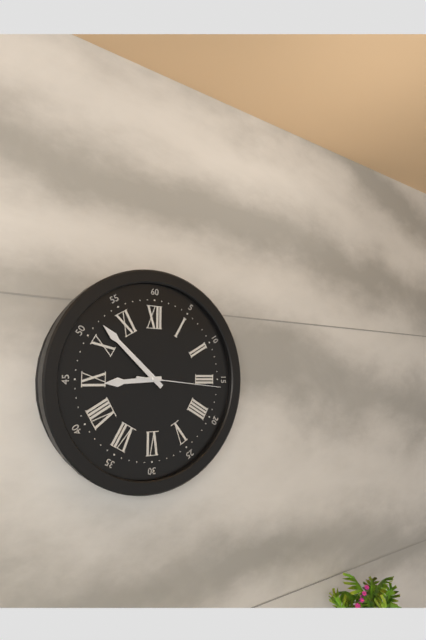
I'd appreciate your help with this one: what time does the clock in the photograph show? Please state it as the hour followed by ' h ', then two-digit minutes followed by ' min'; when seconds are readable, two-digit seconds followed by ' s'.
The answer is 8 h 52 min 16 s
